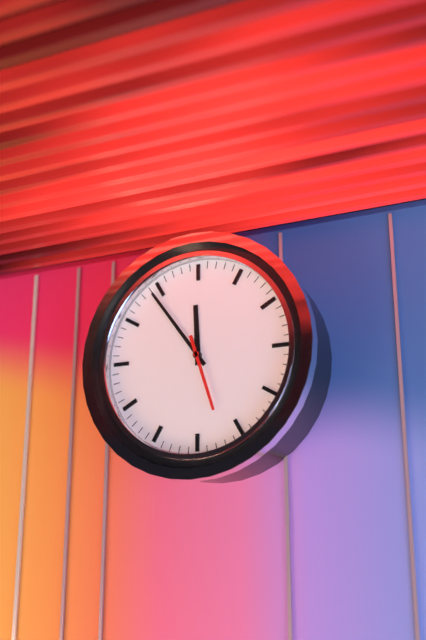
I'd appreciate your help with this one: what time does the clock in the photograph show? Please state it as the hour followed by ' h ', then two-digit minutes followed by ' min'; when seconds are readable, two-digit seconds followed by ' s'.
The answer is 11 h 54 min 27 s
